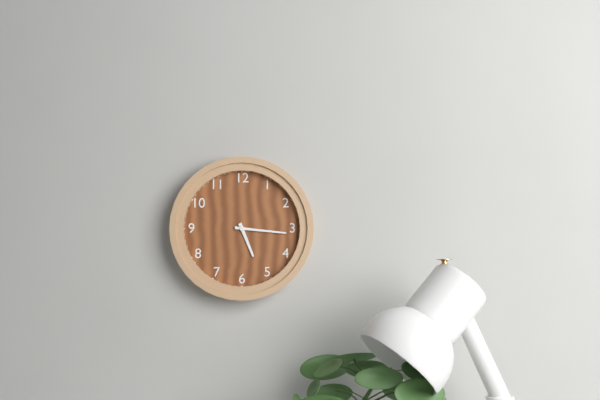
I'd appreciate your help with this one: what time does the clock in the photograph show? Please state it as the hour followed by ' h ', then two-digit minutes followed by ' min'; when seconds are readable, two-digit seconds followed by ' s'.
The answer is 5 h 16 min
